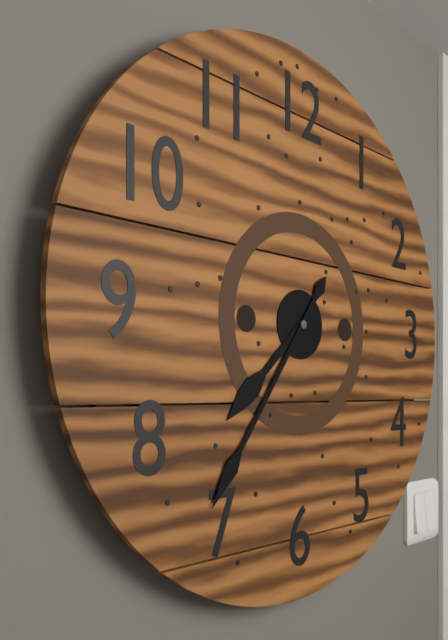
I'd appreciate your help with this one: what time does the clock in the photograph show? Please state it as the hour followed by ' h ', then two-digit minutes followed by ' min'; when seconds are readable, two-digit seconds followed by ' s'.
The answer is 7 h 36 min
